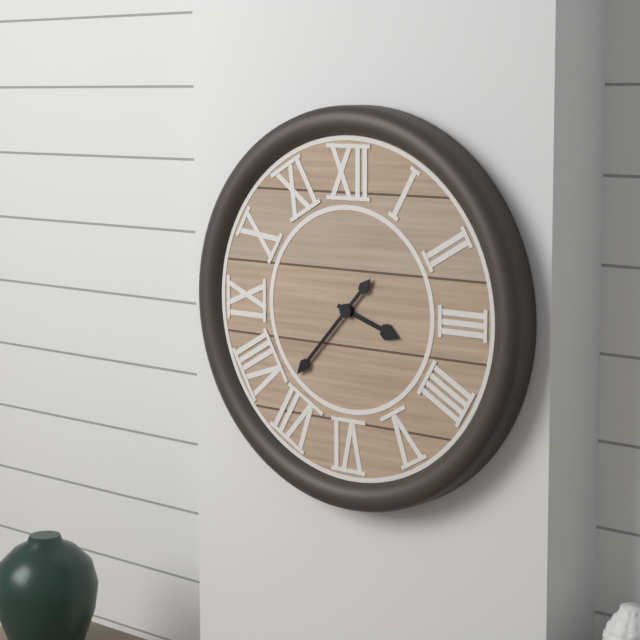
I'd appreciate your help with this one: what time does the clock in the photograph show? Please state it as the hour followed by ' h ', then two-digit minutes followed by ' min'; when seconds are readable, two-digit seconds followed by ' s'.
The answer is 3 h 37 min
